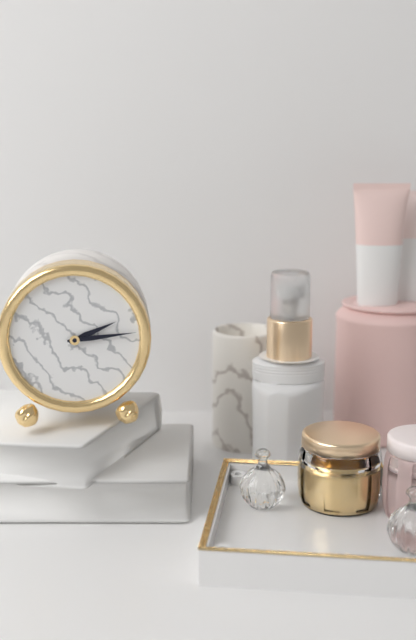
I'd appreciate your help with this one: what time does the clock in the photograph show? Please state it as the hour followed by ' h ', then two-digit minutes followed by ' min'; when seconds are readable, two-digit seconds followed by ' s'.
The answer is 2 h 14 min
